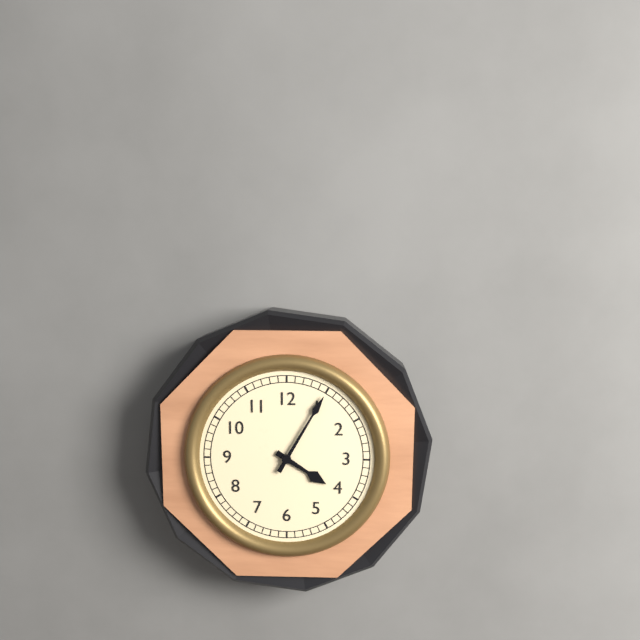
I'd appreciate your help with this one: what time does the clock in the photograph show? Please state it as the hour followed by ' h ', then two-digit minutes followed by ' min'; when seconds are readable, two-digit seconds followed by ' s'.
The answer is 4 h 05 min
